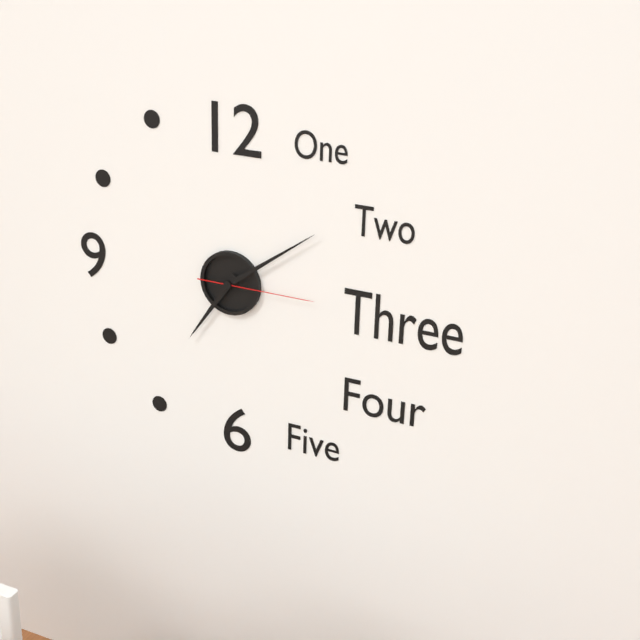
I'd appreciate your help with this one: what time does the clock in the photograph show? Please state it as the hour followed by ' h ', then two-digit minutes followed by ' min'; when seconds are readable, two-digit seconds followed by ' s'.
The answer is 7 h 09 min 15 s
